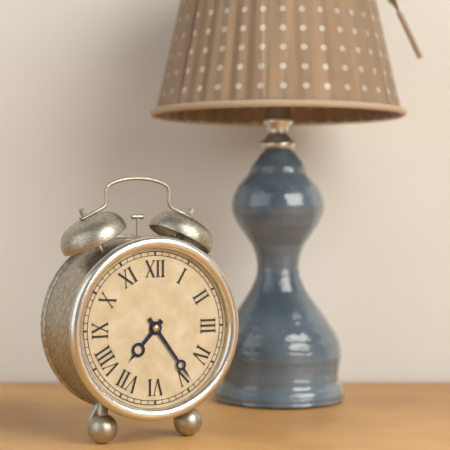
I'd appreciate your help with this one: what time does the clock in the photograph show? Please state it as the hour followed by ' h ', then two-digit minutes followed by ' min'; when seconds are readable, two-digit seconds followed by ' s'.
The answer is 7 h 24 min
